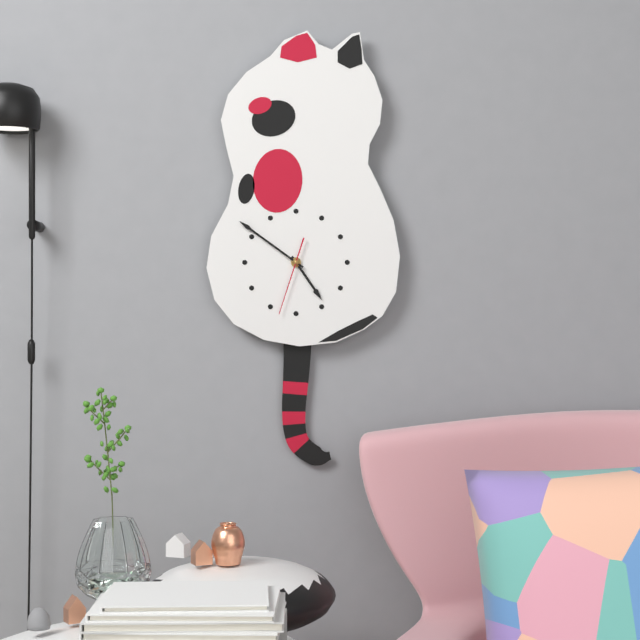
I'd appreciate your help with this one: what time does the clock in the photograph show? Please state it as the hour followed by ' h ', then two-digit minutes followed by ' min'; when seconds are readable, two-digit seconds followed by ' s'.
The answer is 4 h 51 min 33 s
